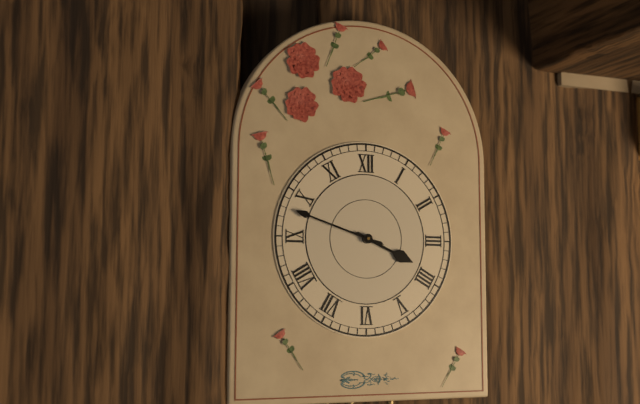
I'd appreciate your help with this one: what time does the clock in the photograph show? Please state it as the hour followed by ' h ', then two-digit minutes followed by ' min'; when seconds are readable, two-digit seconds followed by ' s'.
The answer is 3 h 48 min
